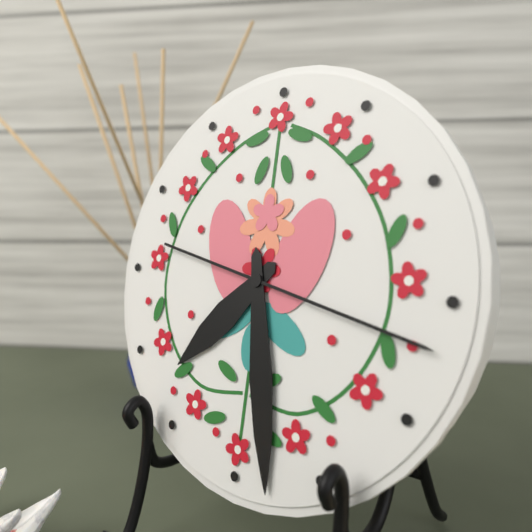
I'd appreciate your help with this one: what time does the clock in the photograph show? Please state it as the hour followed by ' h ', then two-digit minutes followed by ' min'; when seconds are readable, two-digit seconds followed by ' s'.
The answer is 7 h 28 min 17 s
